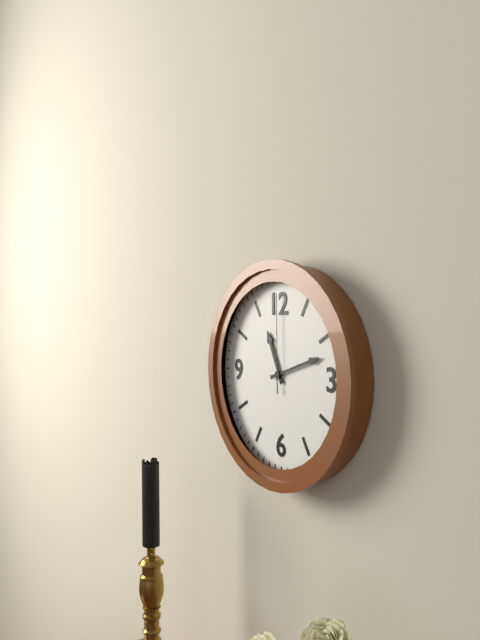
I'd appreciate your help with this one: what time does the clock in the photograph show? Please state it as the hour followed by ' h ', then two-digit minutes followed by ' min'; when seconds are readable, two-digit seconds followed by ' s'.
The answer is 11 h 12 min 00 s
